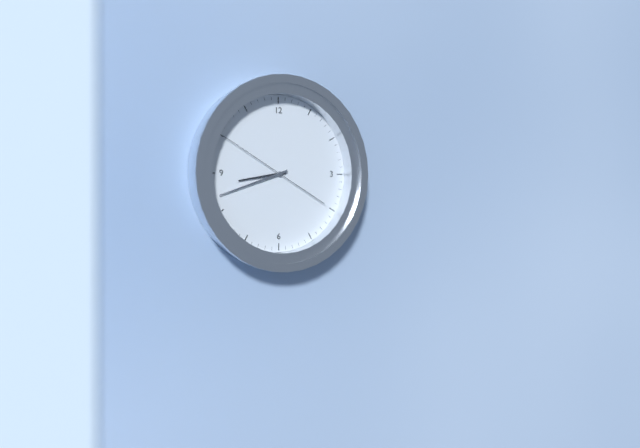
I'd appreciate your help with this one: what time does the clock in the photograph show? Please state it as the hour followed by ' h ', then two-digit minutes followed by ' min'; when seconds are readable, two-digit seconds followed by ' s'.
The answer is 8 h 42 min 50 s
